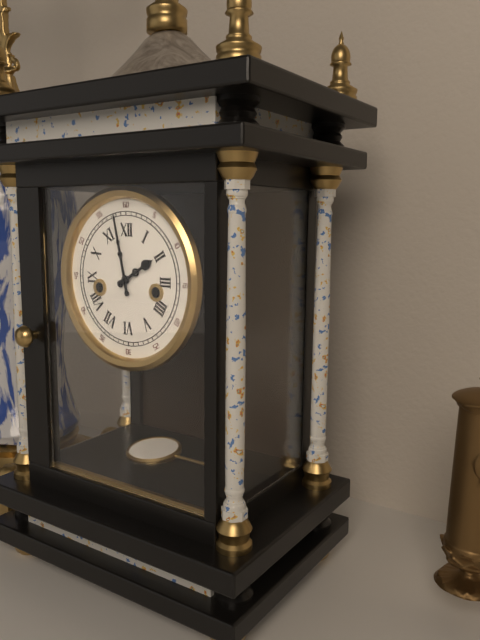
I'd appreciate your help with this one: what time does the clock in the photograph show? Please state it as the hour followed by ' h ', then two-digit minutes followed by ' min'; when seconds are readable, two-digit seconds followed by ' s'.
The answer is 1 h 58 min
